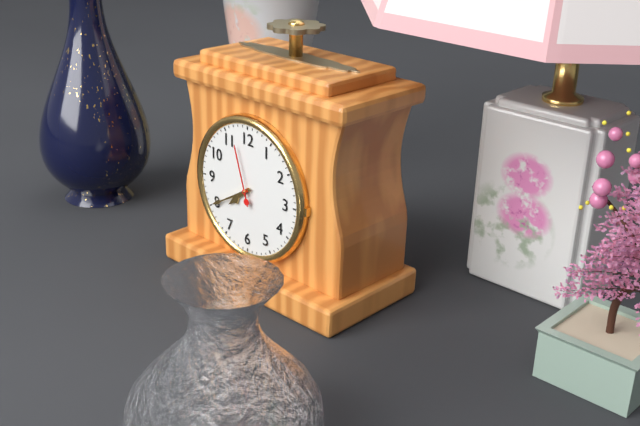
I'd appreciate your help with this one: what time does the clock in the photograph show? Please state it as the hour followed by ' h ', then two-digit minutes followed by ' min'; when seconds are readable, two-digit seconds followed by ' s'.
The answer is 7 h 40 min 57 s
